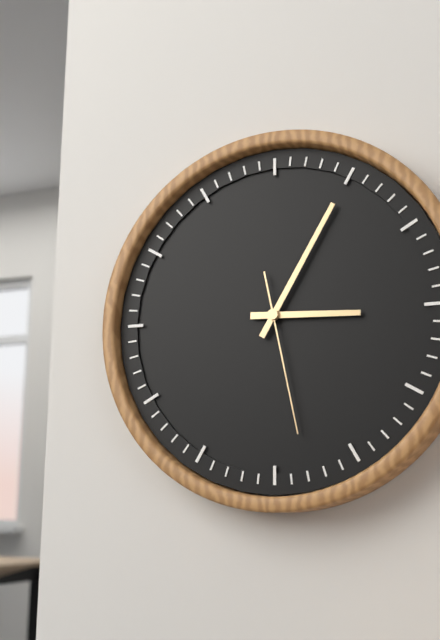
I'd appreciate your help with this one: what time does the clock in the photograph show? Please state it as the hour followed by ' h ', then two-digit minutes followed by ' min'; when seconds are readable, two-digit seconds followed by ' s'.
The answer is 3 h 05 min 28 s
